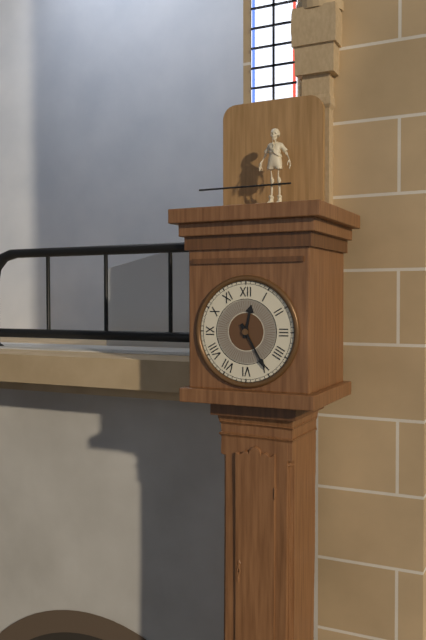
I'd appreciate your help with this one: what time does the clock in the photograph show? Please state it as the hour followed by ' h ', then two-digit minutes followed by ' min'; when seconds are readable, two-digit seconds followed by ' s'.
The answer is 12 h 25 min
